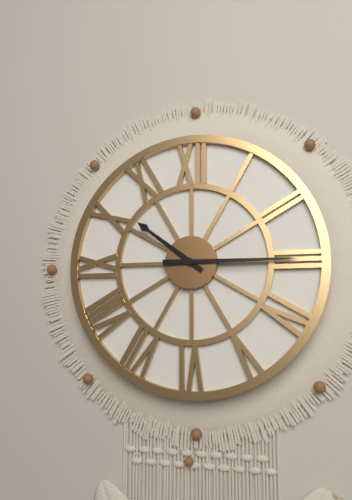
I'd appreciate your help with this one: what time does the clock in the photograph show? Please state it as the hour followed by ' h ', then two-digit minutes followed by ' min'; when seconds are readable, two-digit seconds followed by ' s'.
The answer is 10 h 15 min
